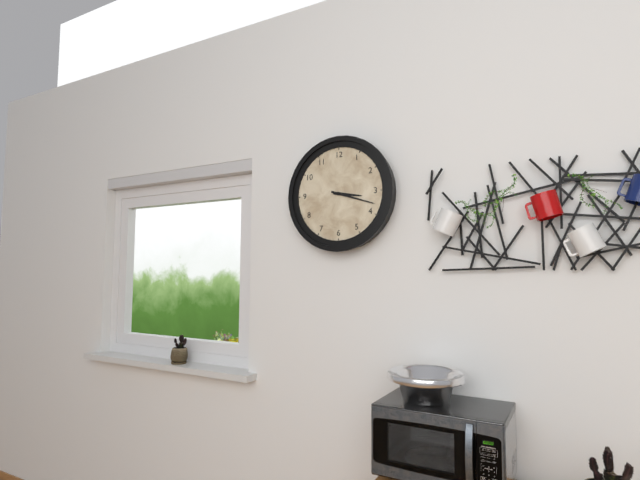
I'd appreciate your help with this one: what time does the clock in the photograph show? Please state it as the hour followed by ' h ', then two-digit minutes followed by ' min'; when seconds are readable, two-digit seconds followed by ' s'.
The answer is 3 h 18 min
